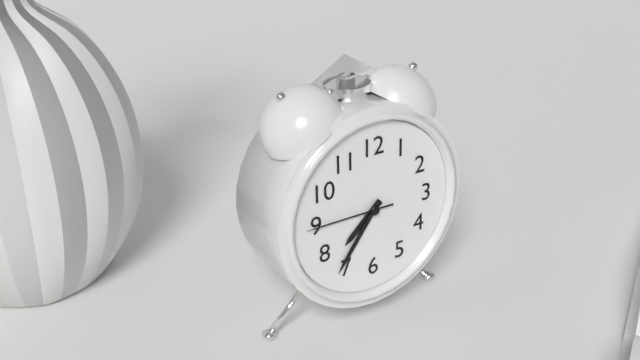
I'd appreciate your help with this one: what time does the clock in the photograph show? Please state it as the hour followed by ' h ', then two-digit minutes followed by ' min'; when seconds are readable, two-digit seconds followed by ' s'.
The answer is 7 h 36 min 45 s
